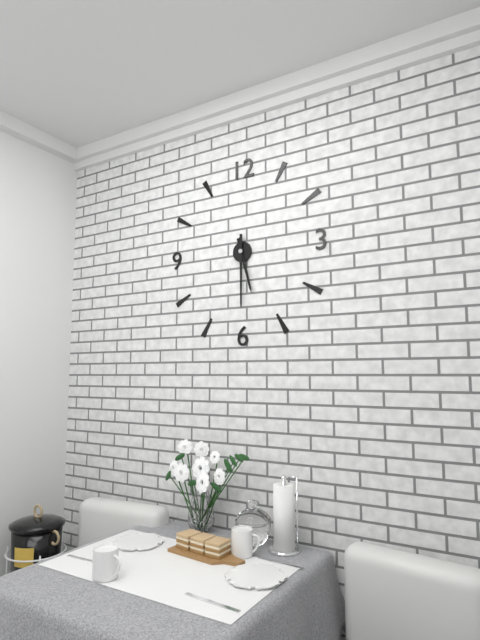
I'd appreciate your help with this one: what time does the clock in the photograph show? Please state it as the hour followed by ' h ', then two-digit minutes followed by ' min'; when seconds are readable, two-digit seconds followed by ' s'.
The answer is 5 h 30 min
